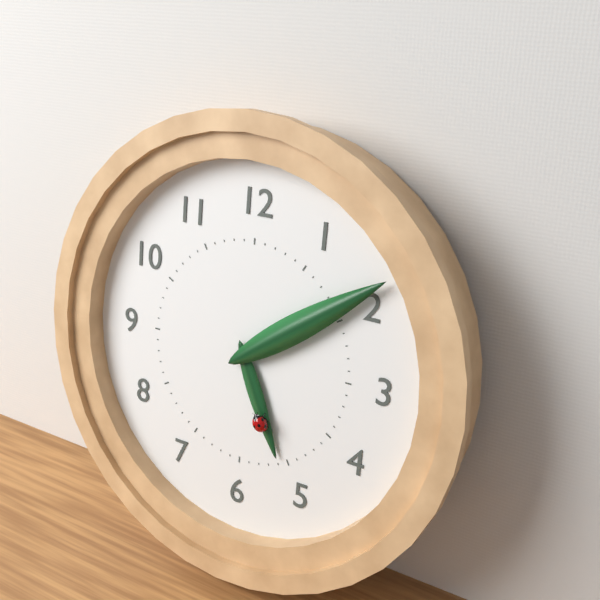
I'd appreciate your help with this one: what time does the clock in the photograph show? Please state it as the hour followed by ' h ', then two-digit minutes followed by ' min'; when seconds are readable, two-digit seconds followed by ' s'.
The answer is 5 h 09 min
